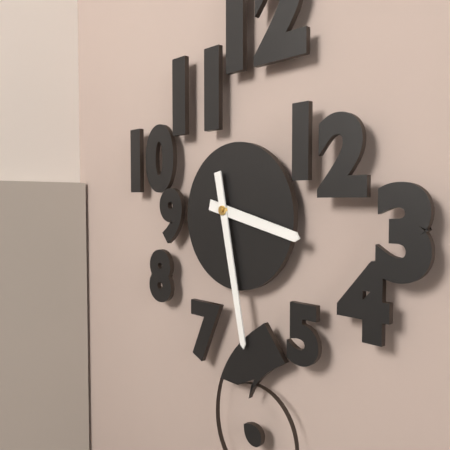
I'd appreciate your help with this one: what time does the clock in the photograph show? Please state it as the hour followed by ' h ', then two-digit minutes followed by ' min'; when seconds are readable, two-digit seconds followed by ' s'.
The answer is 3 h 28 min
